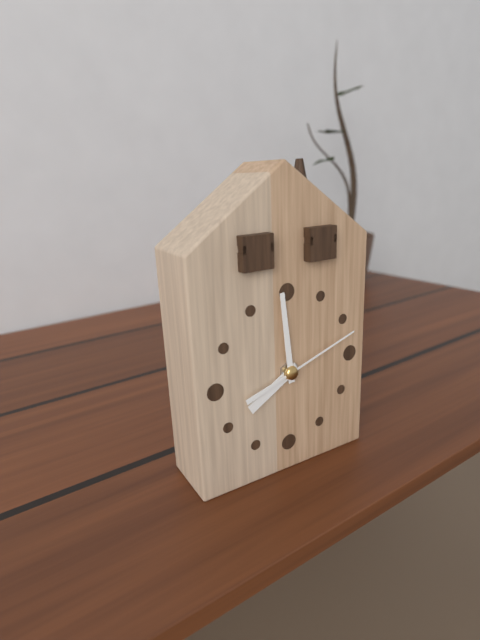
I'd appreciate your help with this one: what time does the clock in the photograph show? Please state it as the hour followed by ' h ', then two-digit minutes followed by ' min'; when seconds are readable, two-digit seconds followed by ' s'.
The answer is 7 h 59 min 12 s
